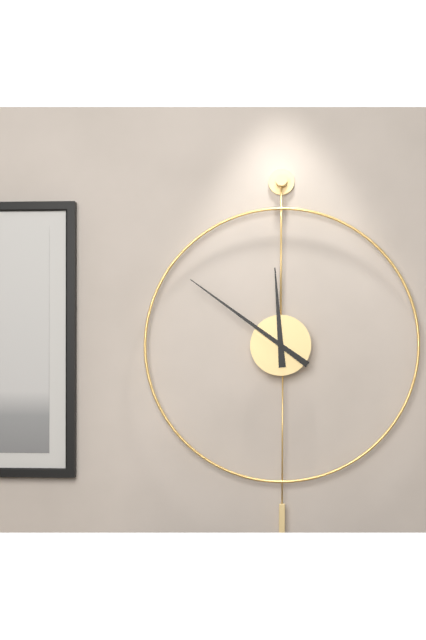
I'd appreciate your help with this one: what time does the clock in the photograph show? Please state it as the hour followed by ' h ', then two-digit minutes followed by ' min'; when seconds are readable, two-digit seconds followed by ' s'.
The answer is 11 h 51 min
